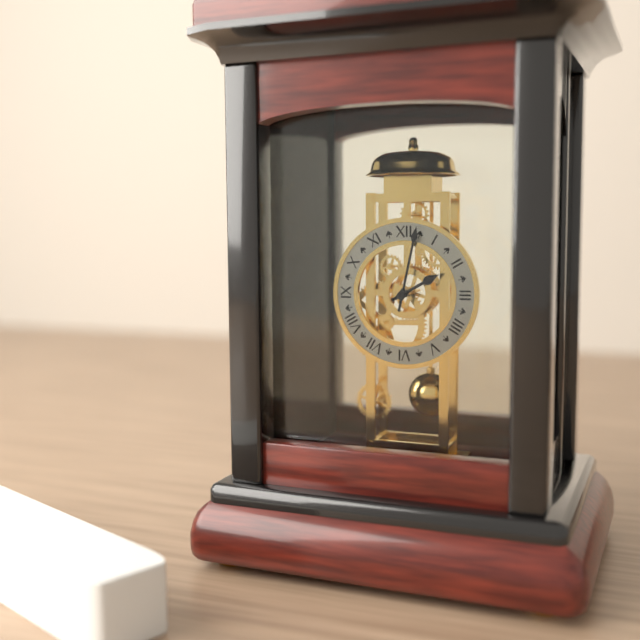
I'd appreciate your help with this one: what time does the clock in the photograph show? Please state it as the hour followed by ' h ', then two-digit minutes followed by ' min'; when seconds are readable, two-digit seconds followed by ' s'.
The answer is 2 h 02 min
